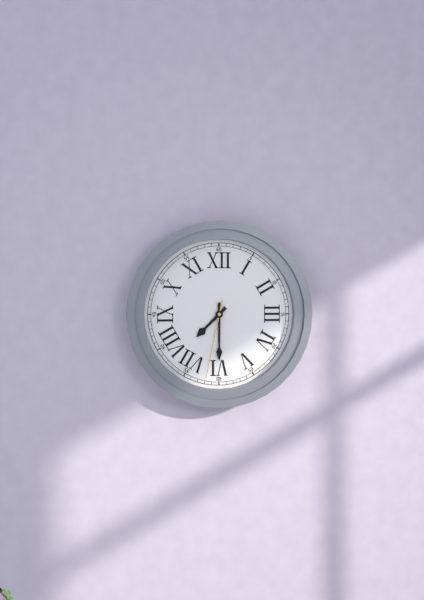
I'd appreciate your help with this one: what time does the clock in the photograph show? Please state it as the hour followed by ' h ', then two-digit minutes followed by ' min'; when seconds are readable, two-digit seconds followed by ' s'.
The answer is 7 h 30 min 32 s
